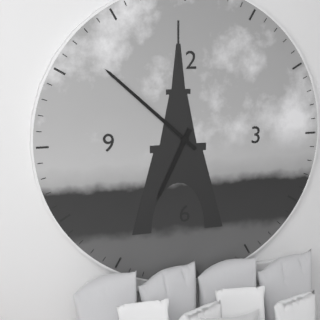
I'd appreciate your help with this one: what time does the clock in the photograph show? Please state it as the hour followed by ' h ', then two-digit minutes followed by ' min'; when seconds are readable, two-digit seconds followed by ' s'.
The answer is 6 h 52 min
